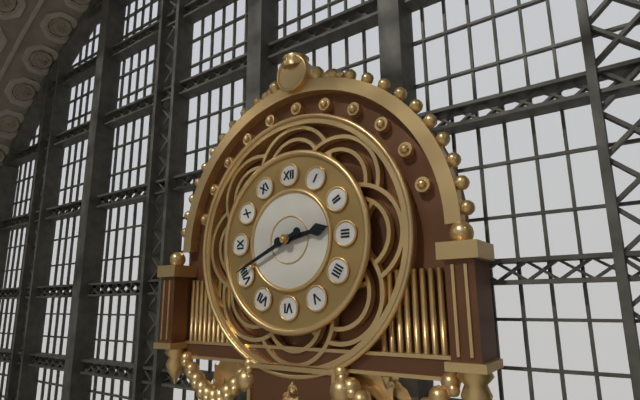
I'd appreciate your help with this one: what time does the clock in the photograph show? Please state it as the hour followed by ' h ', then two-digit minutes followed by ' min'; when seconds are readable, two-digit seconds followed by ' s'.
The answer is 2 h 41 min
